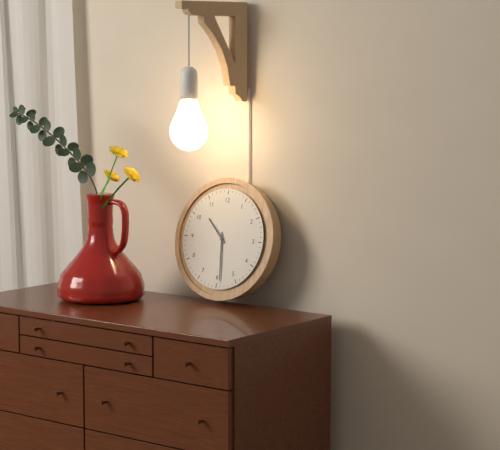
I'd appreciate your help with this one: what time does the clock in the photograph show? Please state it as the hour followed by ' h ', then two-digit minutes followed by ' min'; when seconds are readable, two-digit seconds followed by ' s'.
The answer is 10 h 29 min
